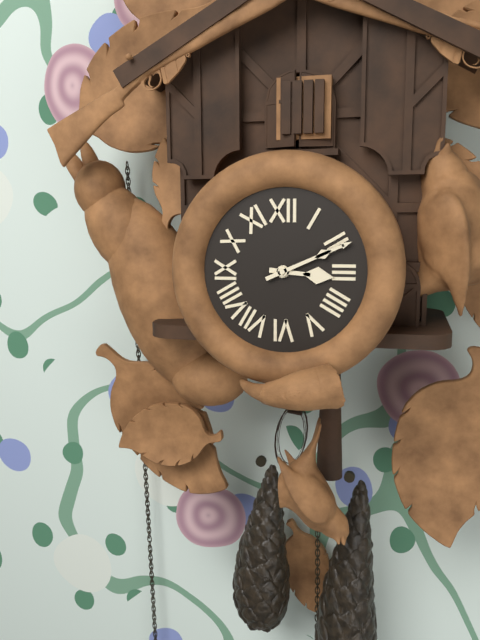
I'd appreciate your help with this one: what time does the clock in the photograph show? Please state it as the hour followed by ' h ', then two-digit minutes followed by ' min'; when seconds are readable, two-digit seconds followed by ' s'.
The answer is 3 h 11 min
